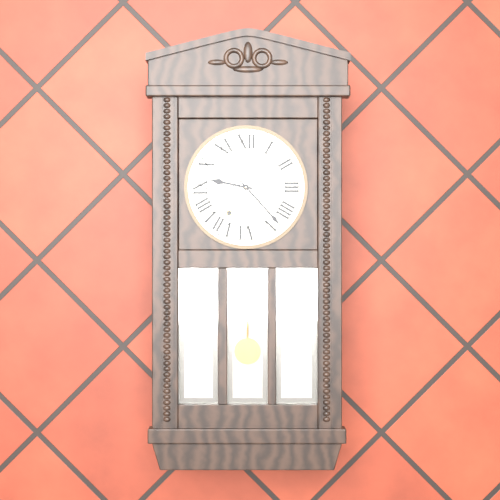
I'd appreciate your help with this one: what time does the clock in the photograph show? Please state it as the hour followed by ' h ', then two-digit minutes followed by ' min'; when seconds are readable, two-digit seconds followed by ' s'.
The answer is 9 h 23 min
